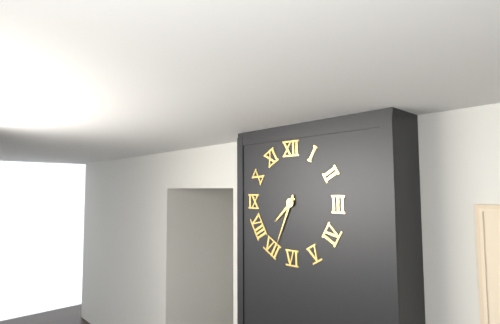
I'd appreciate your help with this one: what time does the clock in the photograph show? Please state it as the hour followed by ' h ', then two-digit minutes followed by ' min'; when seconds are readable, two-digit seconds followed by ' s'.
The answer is 7 h 34 min
